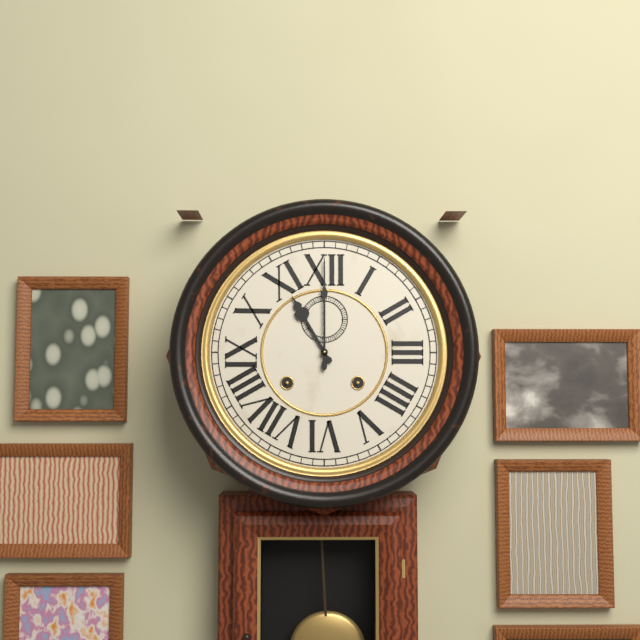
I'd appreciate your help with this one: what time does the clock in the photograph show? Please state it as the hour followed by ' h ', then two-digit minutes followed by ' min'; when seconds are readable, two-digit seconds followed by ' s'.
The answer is 11 h 00 min
